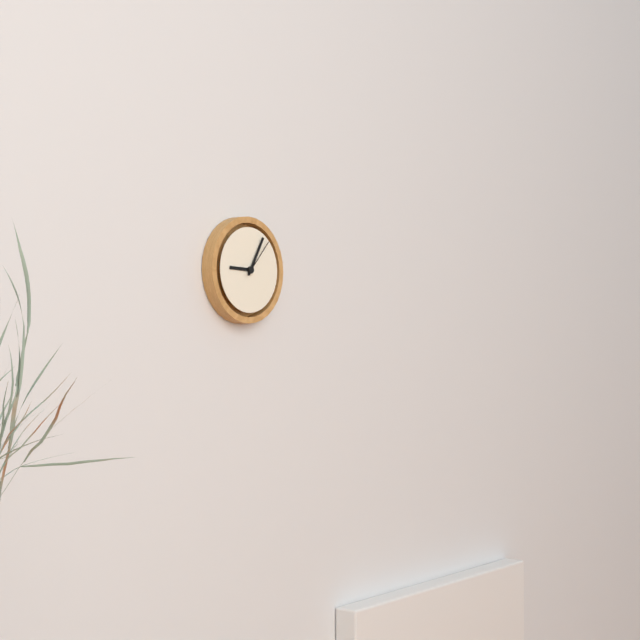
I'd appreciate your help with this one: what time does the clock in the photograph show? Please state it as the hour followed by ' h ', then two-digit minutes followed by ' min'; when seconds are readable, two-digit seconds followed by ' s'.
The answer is 9 h 05 min
